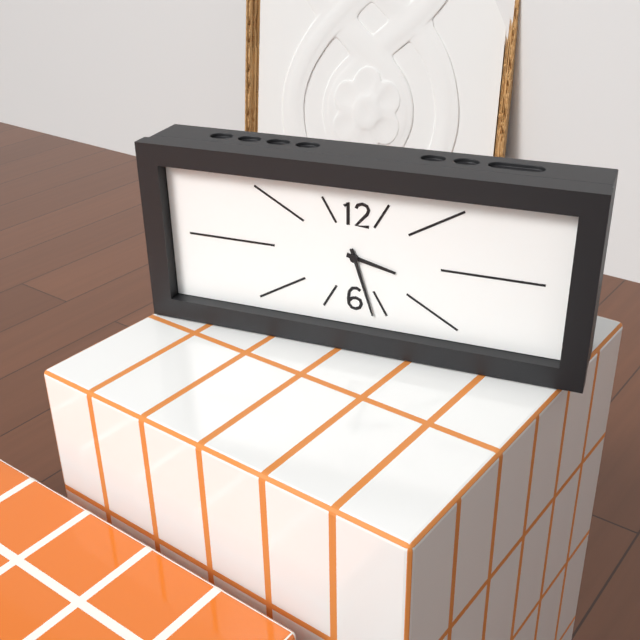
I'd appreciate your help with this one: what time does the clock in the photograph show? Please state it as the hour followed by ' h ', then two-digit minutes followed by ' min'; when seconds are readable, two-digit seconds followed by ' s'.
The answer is 3 h 27 min
